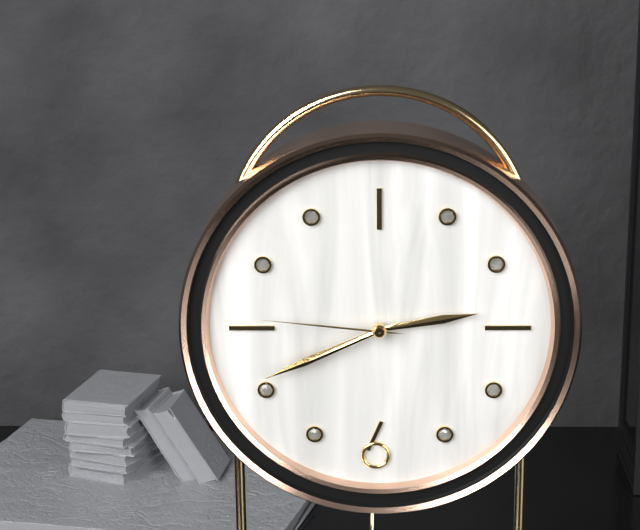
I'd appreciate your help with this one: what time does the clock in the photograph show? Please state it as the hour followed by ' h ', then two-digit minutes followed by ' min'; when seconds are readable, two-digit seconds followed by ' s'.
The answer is 2 h 41 min 46 s
